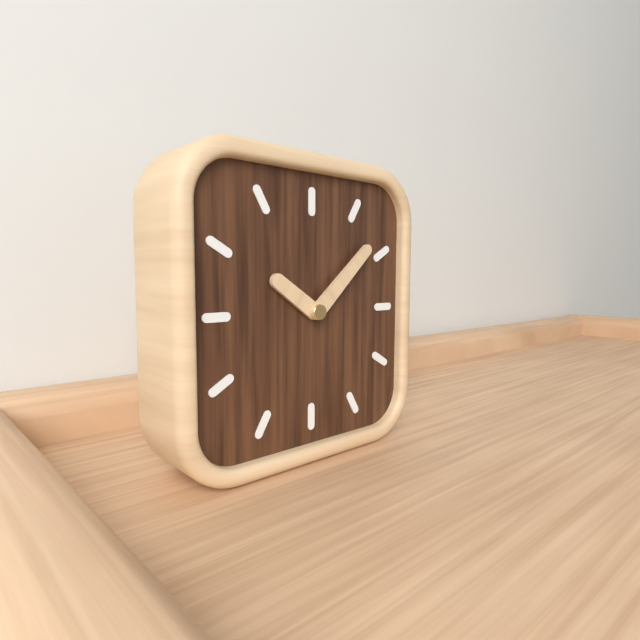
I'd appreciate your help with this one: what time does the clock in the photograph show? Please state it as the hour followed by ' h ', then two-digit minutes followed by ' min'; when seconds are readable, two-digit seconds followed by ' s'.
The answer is 10 h 08 min
